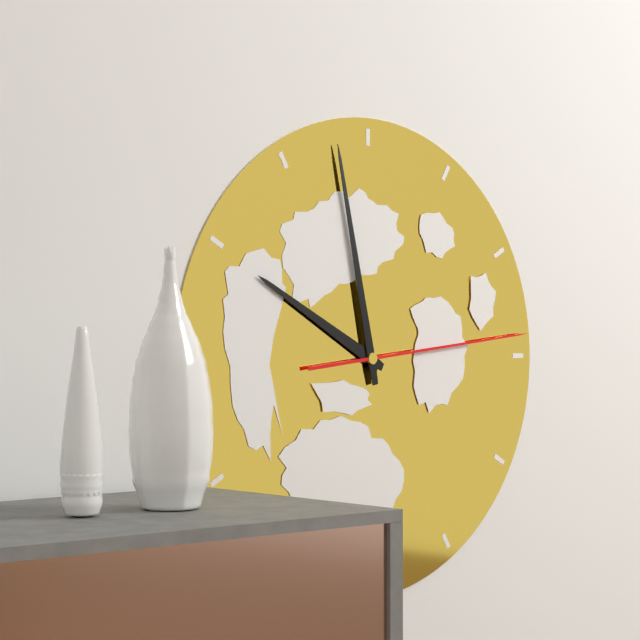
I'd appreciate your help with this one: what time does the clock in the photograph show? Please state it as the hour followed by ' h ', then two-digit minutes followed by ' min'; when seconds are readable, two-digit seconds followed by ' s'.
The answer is 9 h 58 min 14 s
